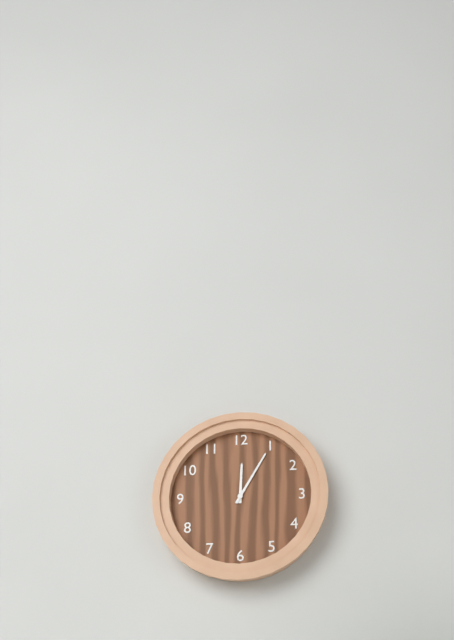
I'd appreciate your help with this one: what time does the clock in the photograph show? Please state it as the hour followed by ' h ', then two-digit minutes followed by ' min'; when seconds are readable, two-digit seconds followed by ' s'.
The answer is 12 h 05 min
